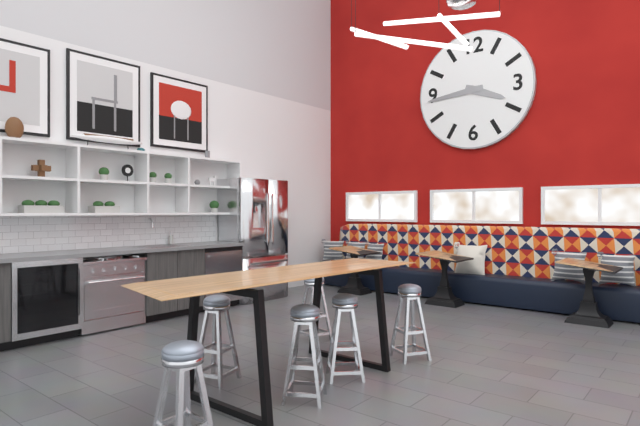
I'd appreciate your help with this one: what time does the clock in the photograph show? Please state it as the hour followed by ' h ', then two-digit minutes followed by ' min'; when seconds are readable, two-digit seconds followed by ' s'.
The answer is 3 h 44 min
